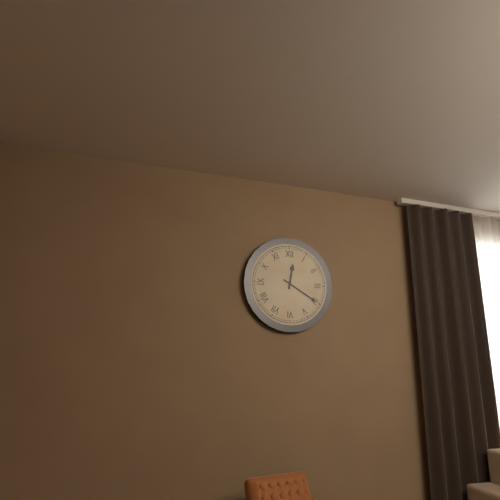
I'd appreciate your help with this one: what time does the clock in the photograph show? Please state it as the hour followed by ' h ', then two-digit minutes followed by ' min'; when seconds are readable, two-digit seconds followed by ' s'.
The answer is 12 h 20 min
